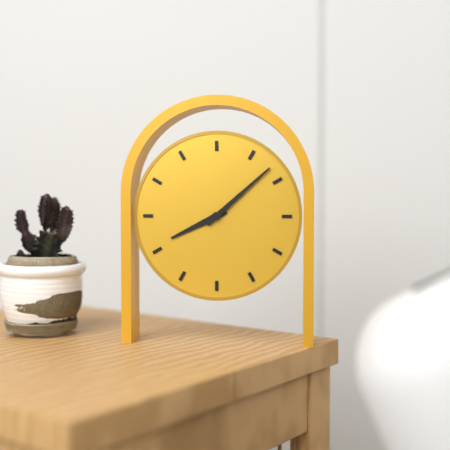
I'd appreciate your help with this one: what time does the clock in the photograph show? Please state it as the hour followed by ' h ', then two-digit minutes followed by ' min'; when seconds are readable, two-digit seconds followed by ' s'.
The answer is 8 h 08 min
